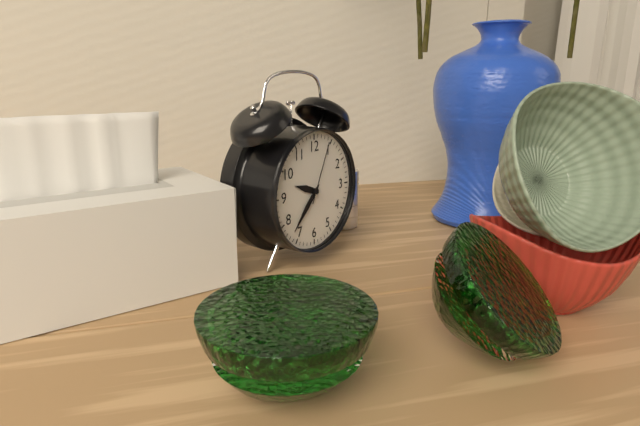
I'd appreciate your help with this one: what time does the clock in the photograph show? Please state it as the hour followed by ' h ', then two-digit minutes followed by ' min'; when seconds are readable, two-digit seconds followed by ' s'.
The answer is 9 h 37 min 04 s
